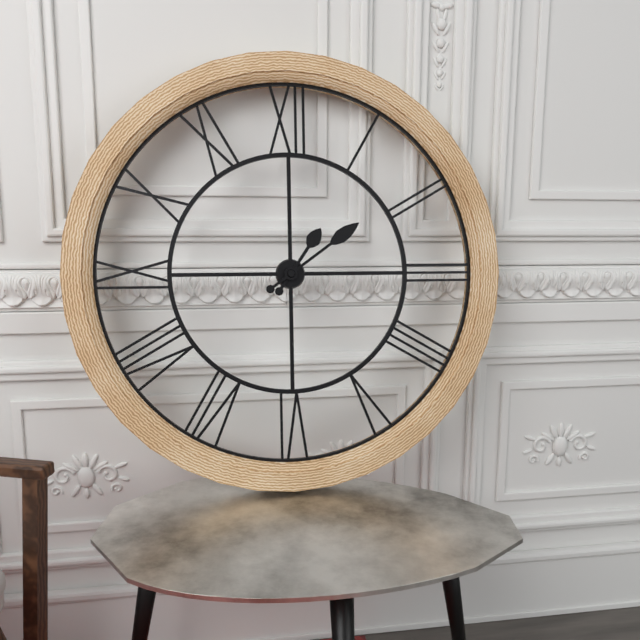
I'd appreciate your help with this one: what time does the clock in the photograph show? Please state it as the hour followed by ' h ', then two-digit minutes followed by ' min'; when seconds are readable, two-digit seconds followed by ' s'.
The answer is 1 h 09 min
